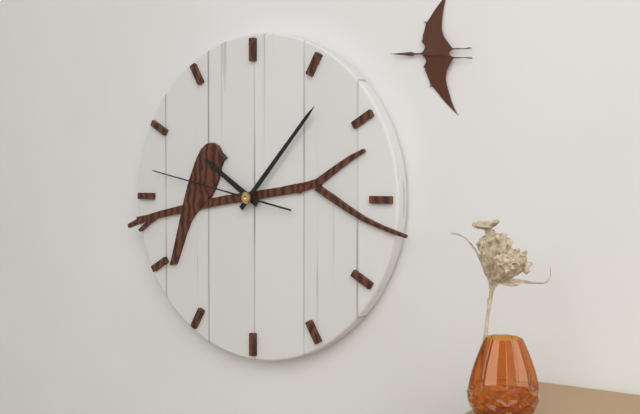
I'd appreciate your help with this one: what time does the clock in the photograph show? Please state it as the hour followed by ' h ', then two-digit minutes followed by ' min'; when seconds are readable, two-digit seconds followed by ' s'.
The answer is 10 h 07 min 47 s
